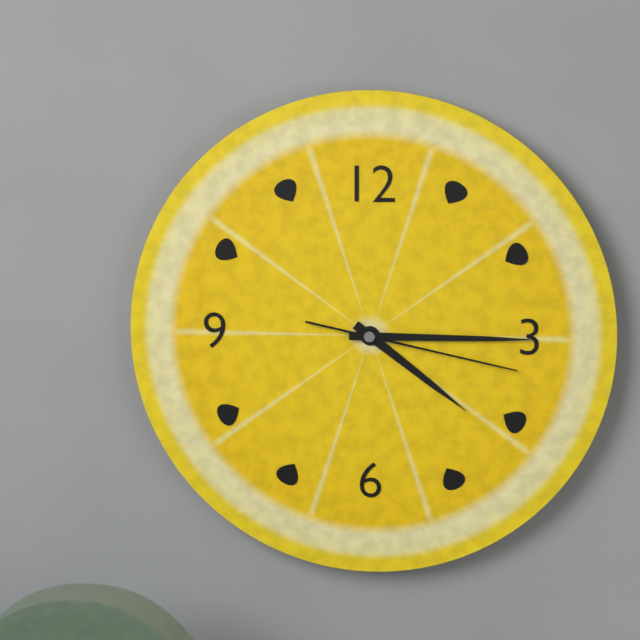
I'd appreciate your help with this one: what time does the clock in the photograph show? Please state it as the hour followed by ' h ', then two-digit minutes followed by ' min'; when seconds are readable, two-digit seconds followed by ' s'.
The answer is 4 h 15 min 17 s
